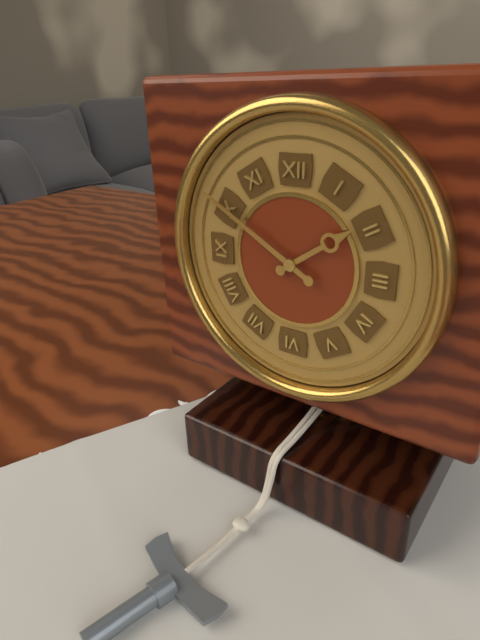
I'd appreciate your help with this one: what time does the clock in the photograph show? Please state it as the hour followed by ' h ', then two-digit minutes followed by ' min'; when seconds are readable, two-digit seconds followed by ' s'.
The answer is 1 h 50 min
